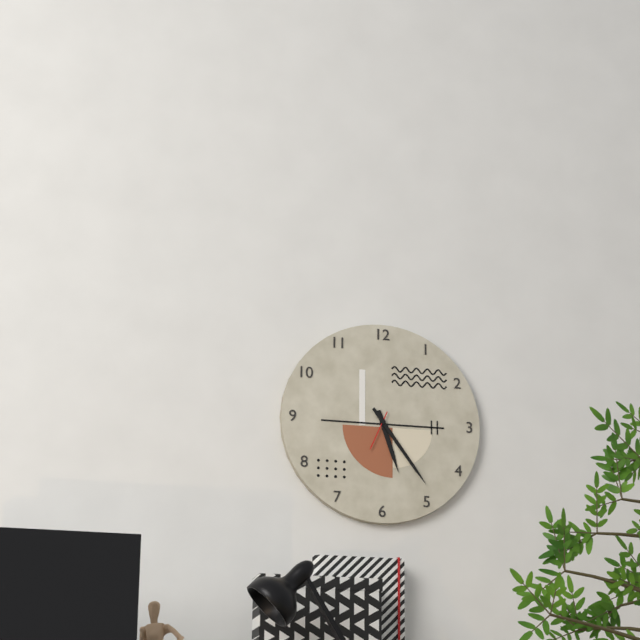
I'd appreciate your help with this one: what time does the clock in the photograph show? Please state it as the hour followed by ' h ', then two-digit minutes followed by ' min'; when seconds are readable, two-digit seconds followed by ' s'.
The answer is 5 h 24 min
